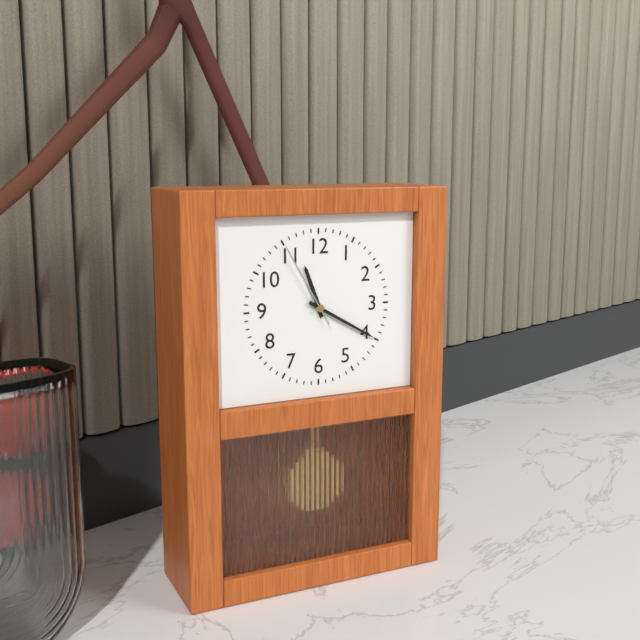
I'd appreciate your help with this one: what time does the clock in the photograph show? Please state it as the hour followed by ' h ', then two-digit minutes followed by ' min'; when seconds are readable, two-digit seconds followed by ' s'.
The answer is 11 h 20 min 55 s
